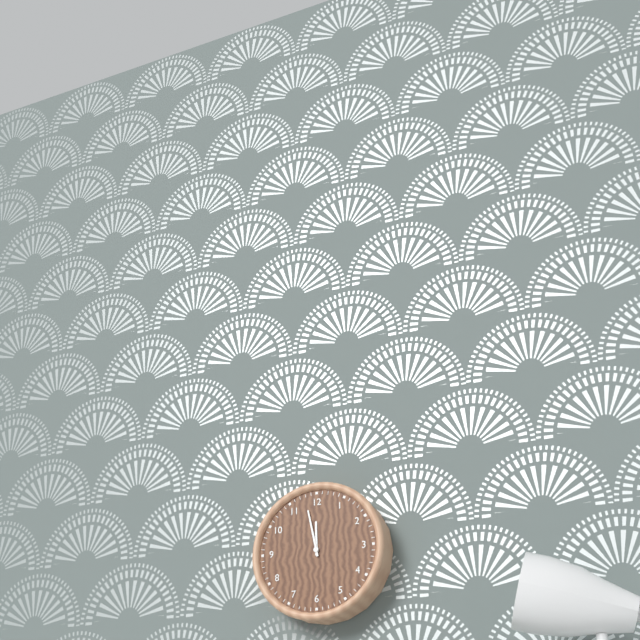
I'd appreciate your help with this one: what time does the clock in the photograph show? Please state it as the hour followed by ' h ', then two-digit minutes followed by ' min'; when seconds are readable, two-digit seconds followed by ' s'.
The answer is 11 h 58 min
